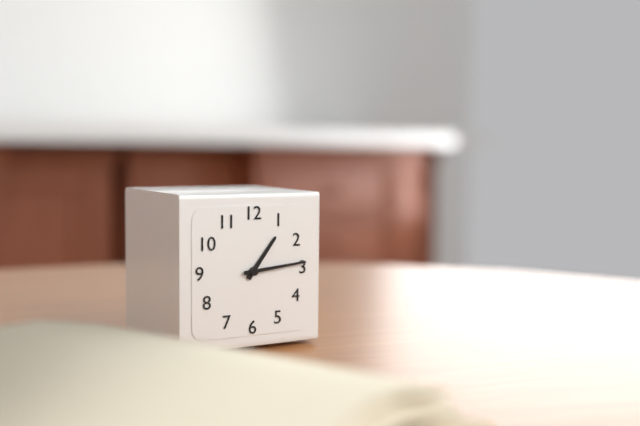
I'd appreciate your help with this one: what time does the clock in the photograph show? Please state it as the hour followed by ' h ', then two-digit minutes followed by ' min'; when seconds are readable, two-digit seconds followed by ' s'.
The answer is 1 h 14 min
